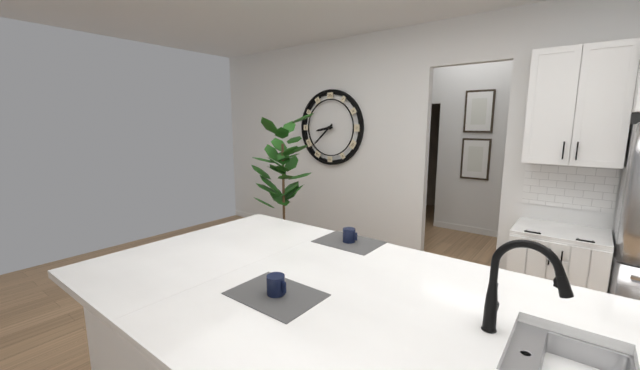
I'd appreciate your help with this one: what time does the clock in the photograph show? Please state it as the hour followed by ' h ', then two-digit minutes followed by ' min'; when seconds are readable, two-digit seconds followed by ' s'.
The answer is 8 h 38 min
